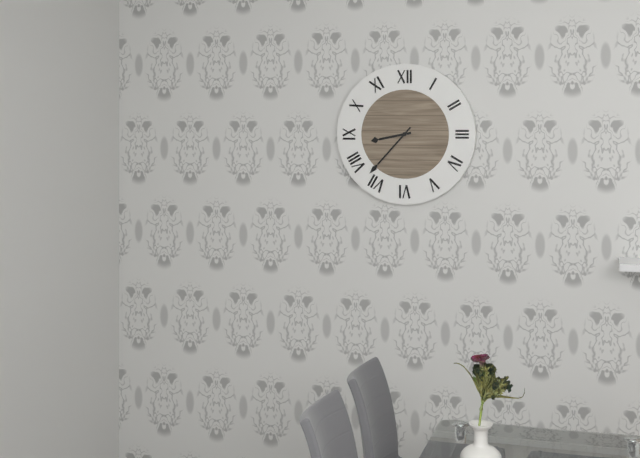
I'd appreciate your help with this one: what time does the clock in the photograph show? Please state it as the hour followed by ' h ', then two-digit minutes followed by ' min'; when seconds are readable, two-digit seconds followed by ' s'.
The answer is 8 h 37 min
